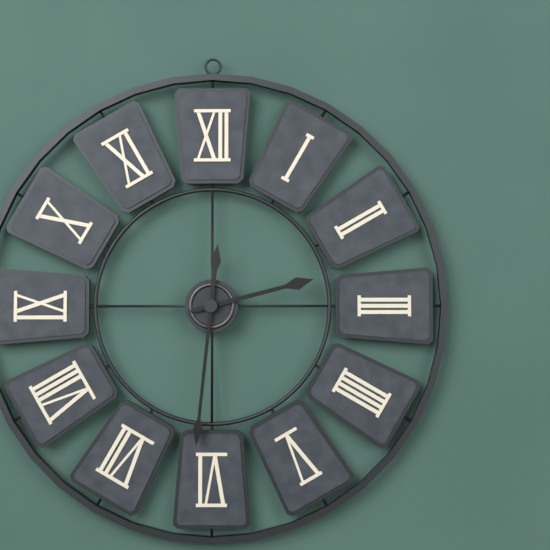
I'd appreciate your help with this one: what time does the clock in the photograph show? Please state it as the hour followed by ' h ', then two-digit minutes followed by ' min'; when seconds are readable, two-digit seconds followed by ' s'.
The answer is 2 h 31 min
